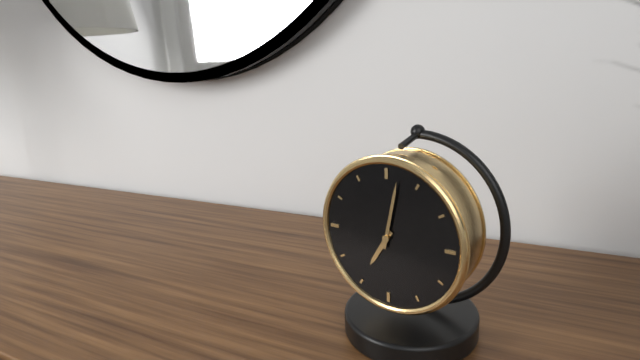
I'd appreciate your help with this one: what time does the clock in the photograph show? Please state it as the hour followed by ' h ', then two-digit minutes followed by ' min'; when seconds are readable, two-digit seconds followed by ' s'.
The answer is 7 h 02 min
